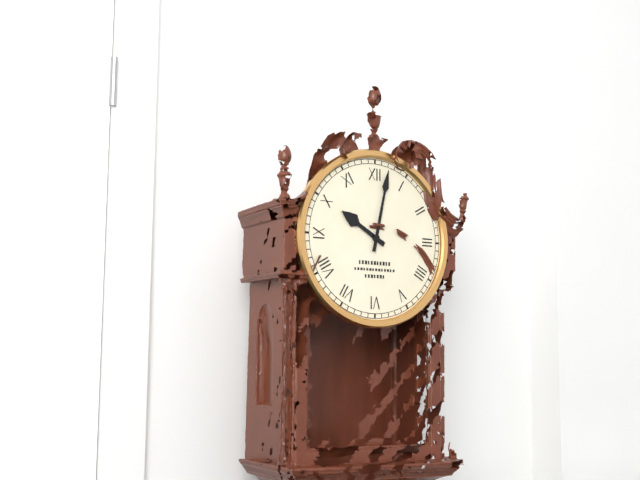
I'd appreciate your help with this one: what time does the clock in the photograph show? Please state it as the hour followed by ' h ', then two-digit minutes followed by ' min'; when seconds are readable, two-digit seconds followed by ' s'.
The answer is 10 h 02 min
